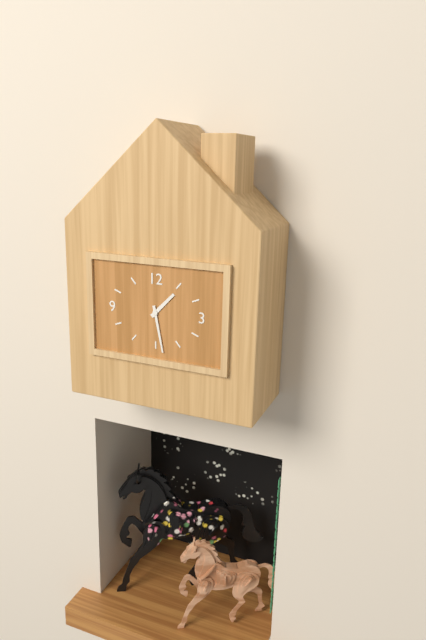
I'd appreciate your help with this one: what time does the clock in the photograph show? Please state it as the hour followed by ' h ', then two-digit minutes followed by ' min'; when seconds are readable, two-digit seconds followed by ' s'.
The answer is 1 h 28 min
